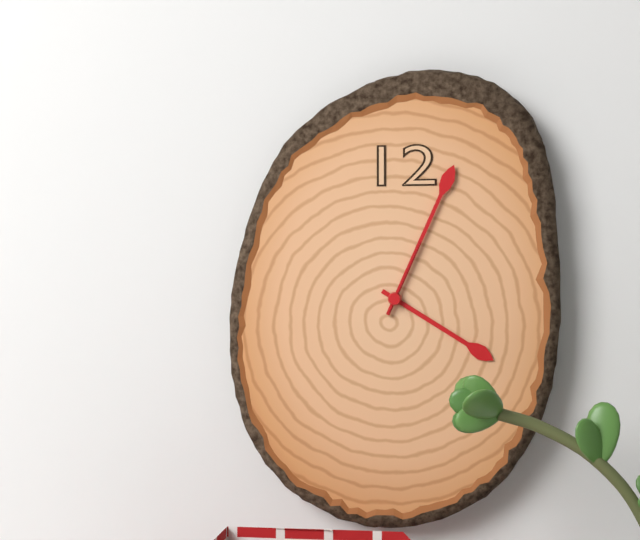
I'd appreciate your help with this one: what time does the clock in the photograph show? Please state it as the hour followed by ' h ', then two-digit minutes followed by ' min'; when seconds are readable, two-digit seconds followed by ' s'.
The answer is 4 h 04 min 04 s
